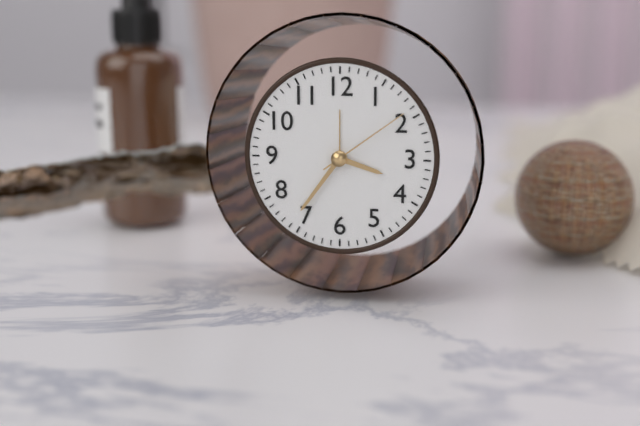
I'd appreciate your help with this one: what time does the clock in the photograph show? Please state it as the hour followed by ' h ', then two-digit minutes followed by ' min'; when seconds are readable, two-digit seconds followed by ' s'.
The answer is 3 h 36 min 09 s
